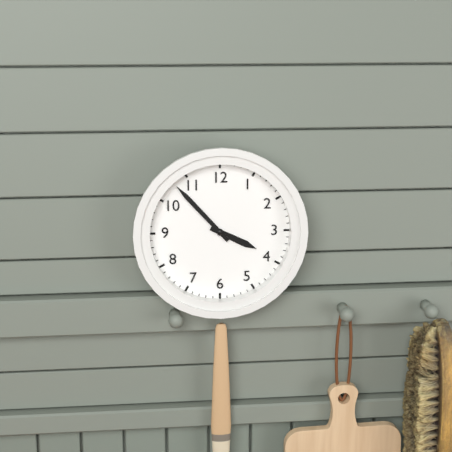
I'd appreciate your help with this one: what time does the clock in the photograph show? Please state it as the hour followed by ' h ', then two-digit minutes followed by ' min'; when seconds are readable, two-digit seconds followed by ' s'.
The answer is 3 h 53 min
